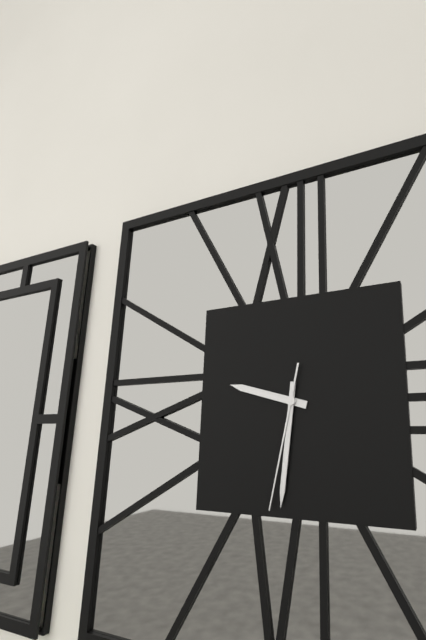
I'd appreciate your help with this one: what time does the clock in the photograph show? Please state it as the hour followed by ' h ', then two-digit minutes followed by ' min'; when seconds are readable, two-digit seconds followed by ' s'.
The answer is 9 h 31 min 32 s
